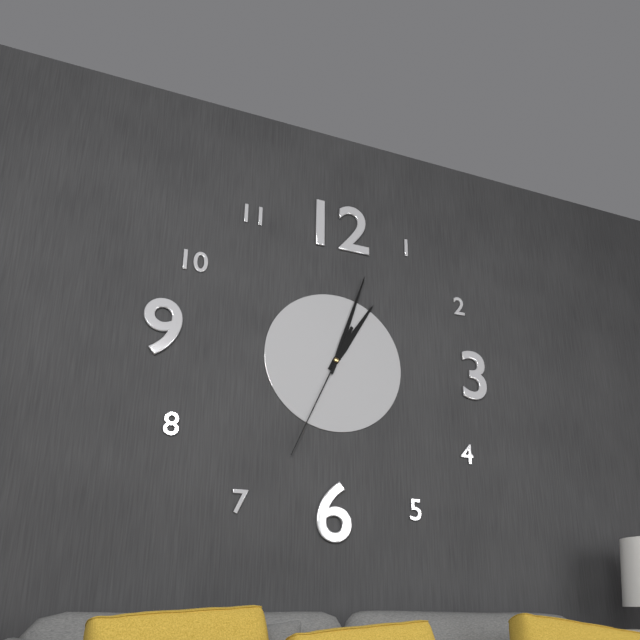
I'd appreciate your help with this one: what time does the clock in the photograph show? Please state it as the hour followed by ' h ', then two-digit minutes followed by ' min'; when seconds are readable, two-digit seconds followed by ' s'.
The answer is 1 h 03 min 34 s
